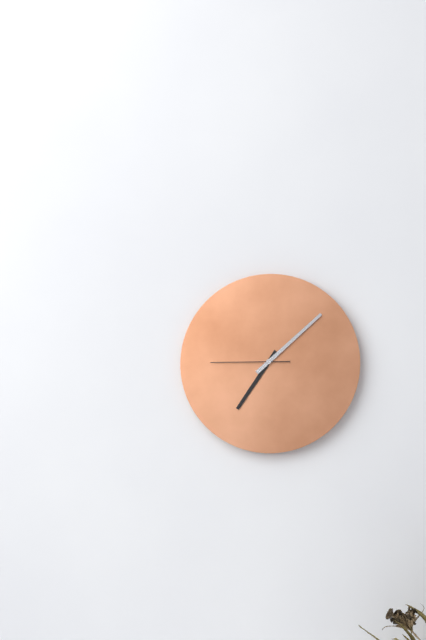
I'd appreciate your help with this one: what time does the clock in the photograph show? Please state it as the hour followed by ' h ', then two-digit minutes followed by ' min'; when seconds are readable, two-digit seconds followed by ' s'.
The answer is 7 h 08 min 45 s
